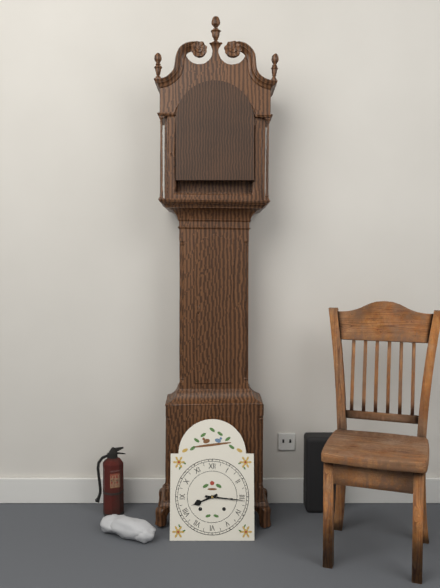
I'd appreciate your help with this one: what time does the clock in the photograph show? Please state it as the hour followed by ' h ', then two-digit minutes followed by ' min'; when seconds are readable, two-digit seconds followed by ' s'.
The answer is 8 h 16 min
